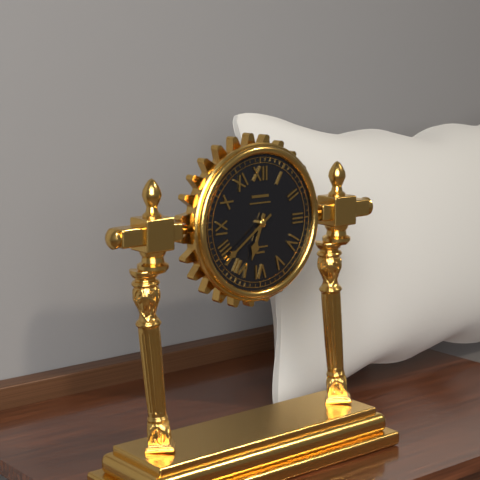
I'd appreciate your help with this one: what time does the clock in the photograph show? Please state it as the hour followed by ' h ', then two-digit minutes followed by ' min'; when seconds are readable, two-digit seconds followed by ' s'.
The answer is 6 h 39 min
